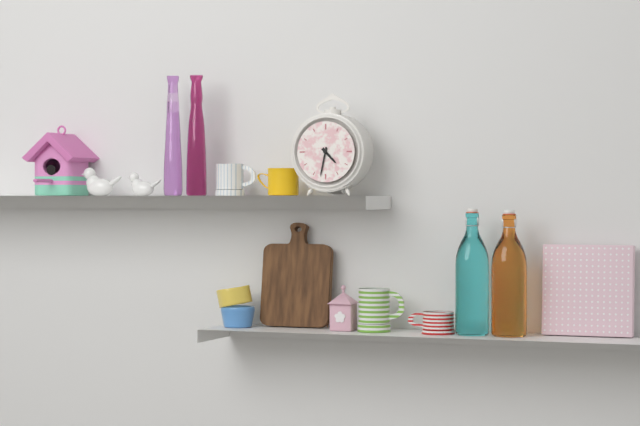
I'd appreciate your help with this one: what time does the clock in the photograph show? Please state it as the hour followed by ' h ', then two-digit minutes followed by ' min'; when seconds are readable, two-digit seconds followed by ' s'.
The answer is 4 h 32 min
